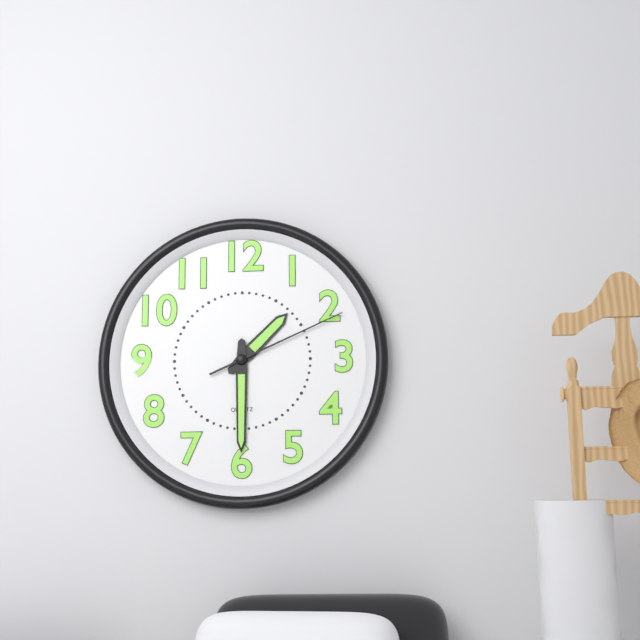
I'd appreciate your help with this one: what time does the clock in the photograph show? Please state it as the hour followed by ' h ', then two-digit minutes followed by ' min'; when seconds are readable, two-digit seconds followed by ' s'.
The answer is 1 h 30 min 11 s
